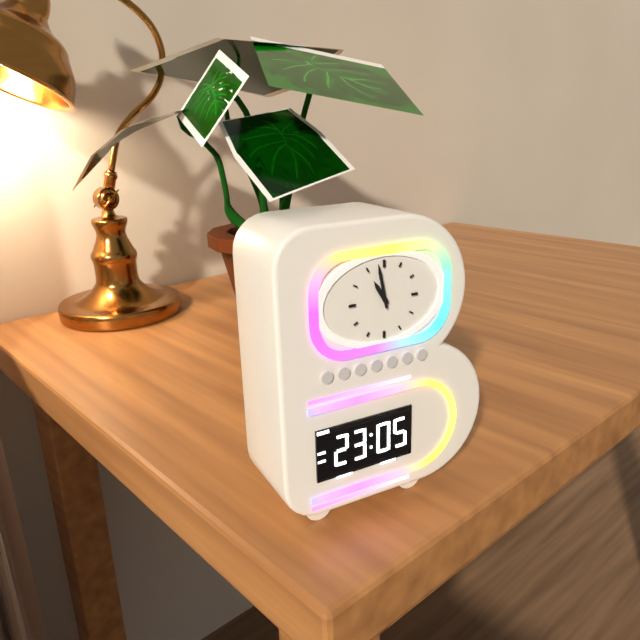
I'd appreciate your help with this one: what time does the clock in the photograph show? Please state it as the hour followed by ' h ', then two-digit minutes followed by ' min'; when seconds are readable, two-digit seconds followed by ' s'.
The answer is 10 h 58 min
